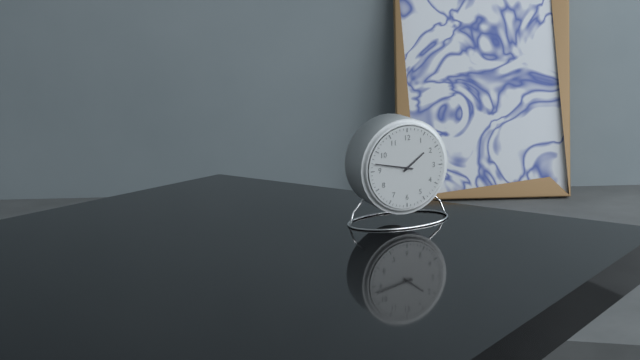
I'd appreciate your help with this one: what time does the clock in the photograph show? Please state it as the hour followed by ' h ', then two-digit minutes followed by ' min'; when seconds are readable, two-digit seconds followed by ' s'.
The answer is 1 h 47 min
